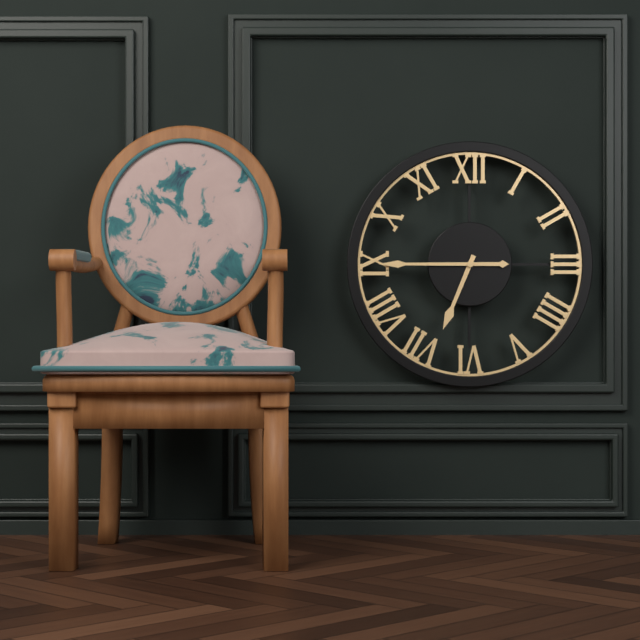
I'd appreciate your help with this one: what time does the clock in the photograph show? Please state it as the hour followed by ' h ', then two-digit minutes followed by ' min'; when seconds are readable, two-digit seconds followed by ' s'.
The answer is 6 h 45 min
